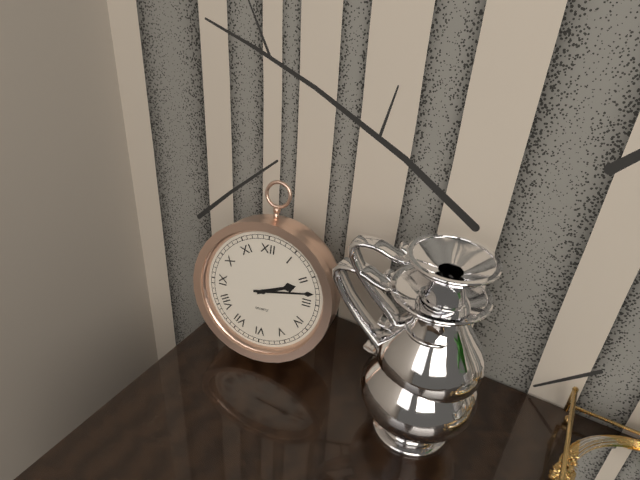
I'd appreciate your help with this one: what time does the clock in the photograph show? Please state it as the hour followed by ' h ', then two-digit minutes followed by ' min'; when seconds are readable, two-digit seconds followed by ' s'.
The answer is 2 h 13 min
